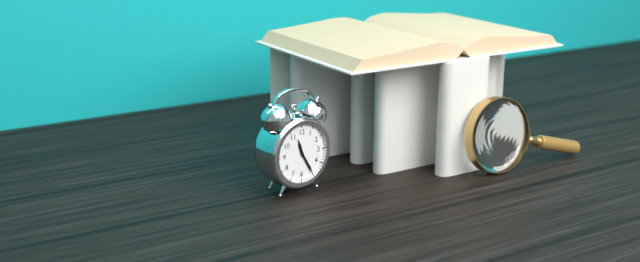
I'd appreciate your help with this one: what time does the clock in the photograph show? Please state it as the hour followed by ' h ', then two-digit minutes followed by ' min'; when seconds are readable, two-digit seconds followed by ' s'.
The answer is 11 h 25 min
